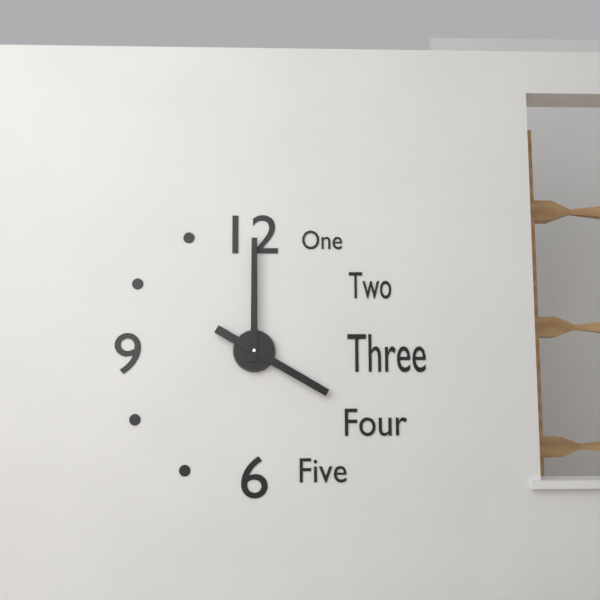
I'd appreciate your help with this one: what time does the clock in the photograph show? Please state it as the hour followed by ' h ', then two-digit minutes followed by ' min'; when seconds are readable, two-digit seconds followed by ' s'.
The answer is 4 h 00 min
